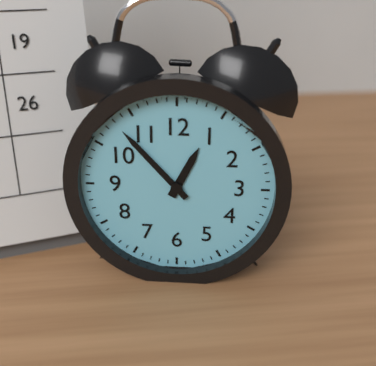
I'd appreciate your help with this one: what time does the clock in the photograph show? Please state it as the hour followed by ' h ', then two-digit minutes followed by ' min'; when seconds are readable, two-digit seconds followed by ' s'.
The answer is 12 h 53 min
